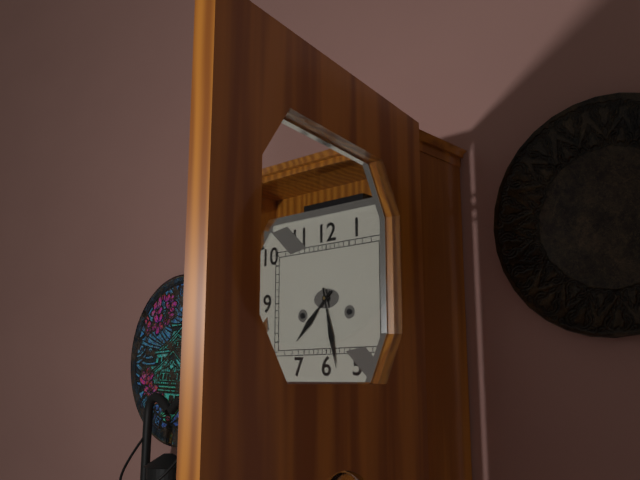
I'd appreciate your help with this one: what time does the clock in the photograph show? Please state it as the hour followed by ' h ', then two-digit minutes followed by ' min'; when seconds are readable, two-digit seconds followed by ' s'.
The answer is 7 h 28 min
